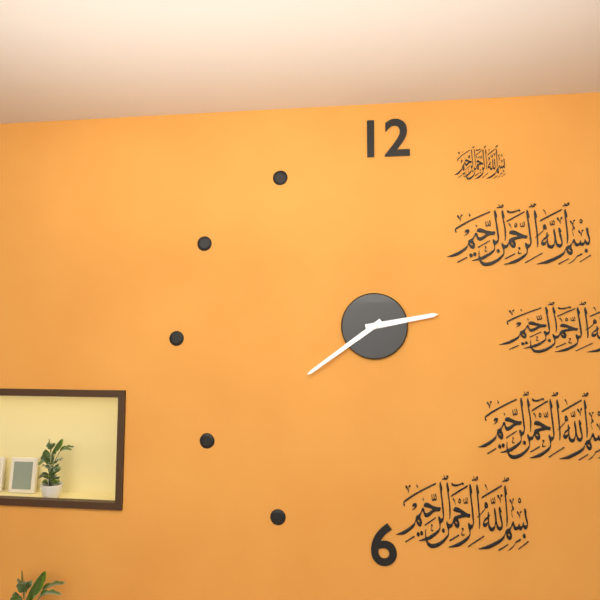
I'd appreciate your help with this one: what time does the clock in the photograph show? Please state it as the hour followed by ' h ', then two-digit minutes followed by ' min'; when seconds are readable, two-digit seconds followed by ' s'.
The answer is 2 h 39 min
